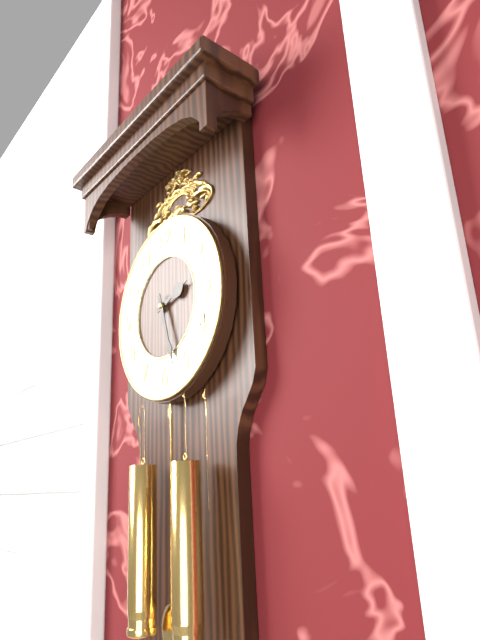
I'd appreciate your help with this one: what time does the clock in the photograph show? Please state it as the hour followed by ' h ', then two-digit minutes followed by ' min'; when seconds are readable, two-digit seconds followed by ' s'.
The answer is 2 h 27 min
